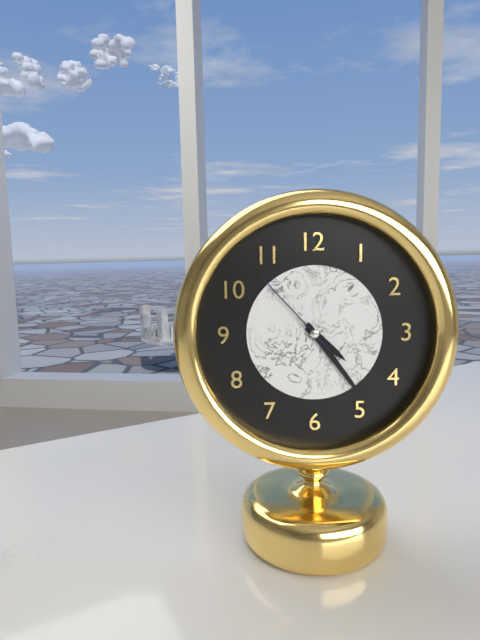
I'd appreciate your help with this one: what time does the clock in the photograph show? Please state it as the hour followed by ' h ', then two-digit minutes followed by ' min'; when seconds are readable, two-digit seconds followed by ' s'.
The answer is 4 h 24 min 53 s
